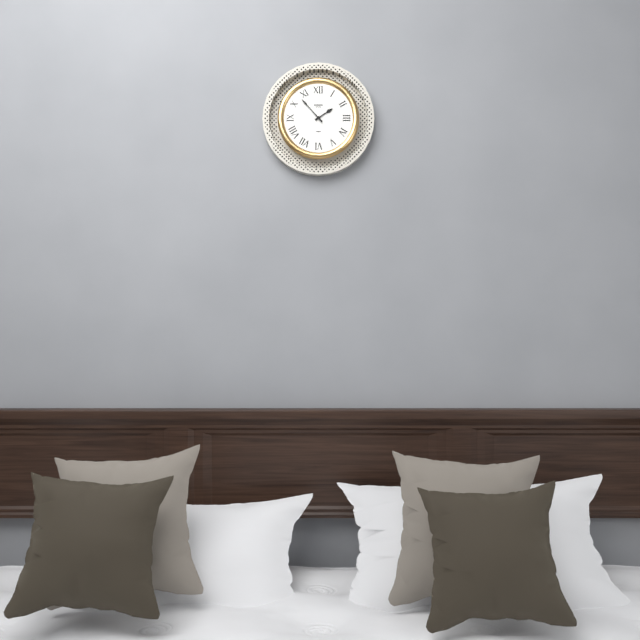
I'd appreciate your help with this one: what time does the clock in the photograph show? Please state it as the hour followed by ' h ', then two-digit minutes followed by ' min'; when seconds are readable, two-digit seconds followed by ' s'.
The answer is 1 h 53 min
